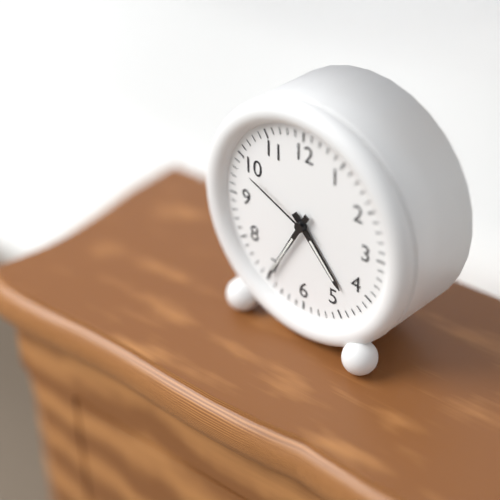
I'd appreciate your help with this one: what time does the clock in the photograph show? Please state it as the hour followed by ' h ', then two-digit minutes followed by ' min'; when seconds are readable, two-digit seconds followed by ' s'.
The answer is 4 h 35 min 49 s
